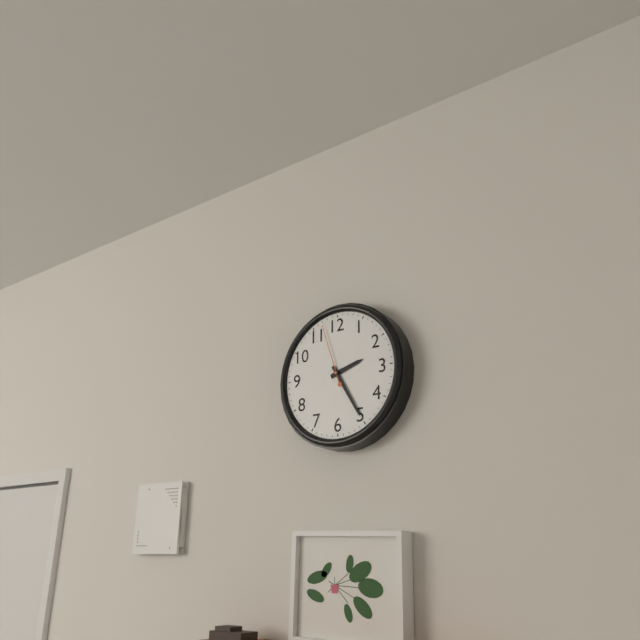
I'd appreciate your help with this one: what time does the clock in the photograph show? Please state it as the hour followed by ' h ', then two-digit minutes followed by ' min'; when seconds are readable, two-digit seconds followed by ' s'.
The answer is 2 h 25 min 57 s
